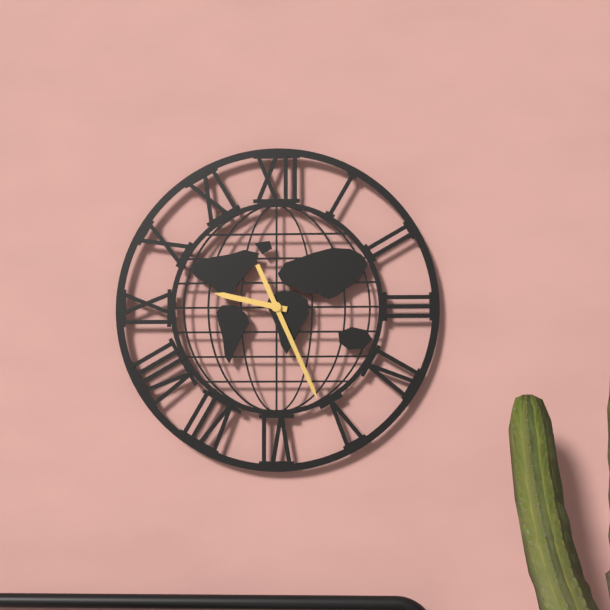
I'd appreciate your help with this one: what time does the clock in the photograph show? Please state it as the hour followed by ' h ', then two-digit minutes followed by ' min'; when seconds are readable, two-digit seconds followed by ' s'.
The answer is 9 h 26 min
